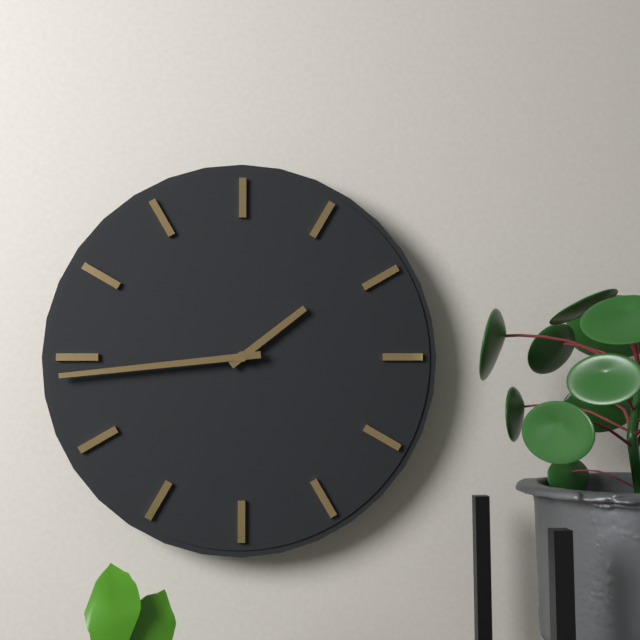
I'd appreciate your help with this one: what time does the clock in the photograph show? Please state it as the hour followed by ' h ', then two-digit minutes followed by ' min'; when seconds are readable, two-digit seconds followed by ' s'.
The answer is 1 h 44 min
